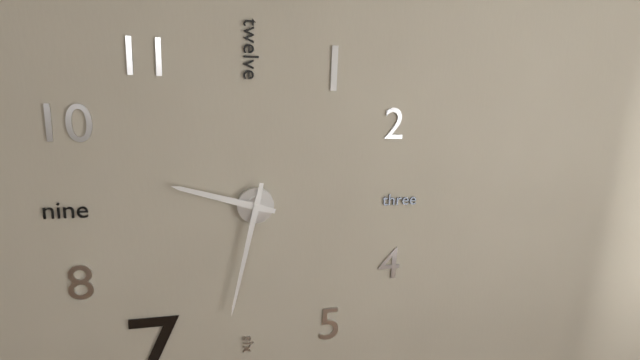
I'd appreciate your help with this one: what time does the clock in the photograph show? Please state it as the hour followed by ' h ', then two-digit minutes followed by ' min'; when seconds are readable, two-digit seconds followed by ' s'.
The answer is 9 h 32 min
